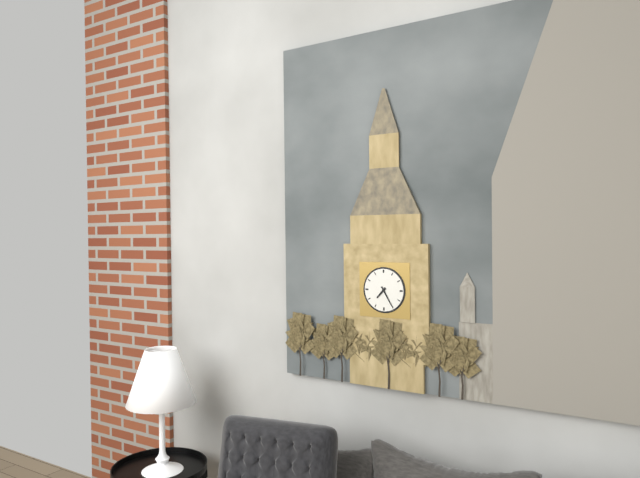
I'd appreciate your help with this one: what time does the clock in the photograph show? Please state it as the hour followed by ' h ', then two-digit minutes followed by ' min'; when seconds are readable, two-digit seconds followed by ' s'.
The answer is 7 h 25 min
